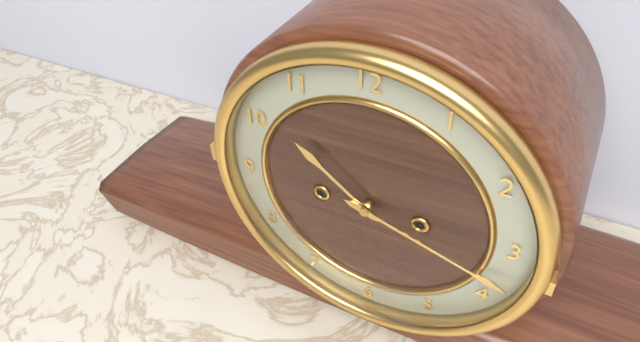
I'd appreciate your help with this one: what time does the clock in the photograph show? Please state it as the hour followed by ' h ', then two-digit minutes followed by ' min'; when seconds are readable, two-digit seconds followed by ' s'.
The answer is 10 h 18 min
